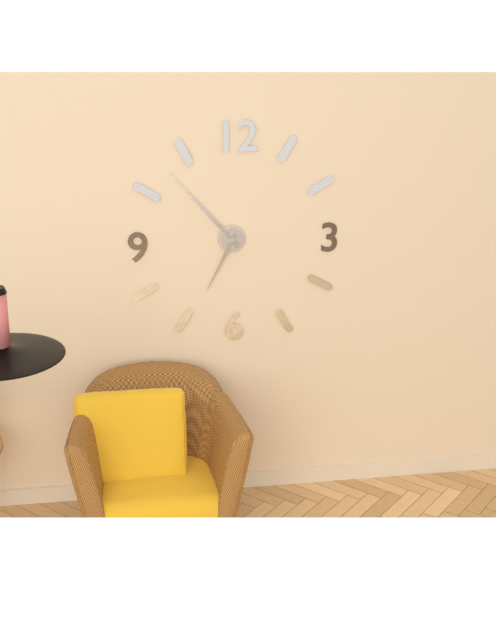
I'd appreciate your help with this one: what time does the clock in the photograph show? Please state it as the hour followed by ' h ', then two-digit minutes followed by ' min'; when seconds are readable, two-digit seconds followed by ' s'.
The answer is 6 h 53 min
